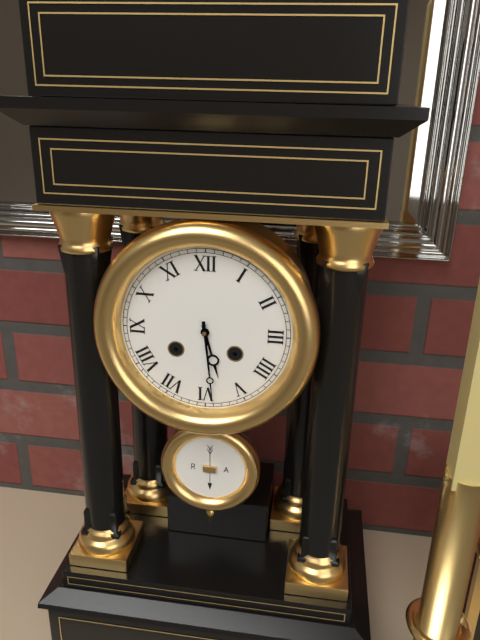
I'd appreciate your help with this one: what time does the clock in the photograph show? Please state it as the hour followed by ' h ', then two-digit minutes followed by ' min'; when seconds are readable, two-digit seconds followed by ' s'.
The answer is 5 h 29 min
